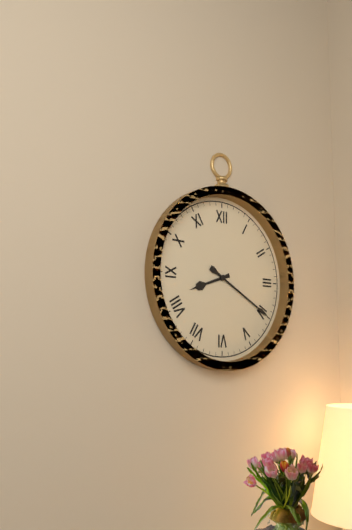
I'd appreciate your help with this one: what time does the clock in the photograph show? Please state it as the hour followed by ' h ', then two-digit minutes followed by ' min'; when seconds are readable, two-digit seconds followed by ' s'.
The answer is 8 h 20 min
